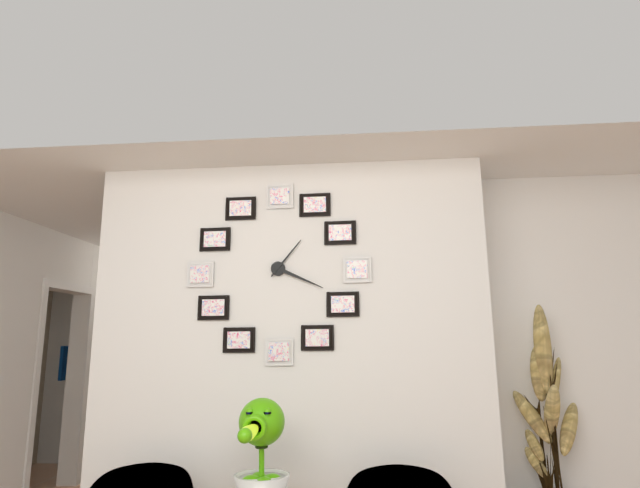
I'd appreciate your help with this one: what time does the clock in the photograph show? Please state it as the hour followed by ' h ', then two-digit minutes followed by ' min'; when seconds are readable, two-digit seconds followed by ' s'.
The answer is 1 h 19 min
